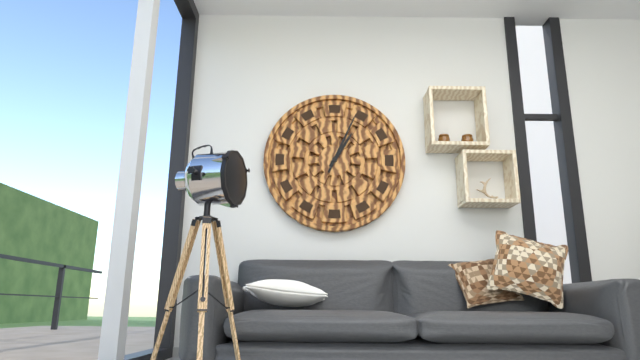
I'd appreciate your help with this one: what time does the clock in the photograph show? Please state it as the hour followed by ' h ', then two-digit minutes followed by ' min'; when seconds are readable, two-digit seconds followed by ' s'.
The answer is 1 h 04 min
